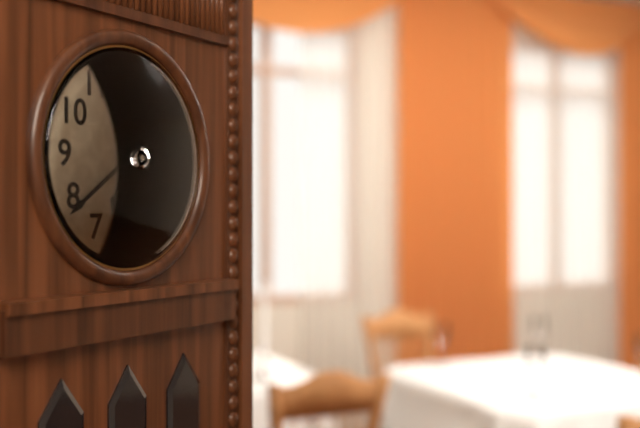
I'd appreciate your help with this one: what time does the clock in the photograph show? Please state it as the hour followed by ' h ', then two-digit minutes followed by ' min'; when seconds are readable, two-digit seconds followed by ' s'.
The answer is 6 h 39 min
